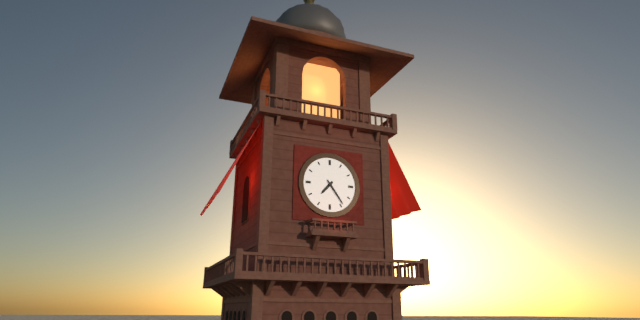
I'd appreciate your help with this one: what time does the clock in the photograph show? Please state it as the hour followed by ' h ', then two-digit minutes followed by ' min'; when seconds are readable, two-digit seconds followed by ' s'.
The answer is 7 h 24 min
